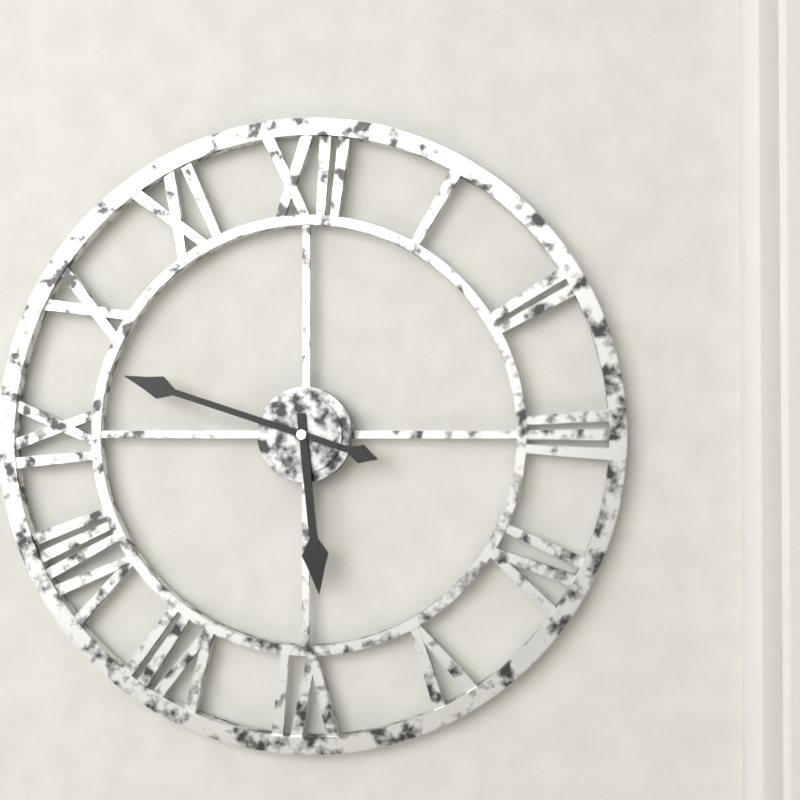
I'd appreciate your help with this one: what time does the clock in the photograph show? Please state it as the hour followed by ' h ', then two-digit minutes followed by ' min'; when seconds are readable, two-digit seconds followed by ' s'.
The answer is 5 h 48 min
